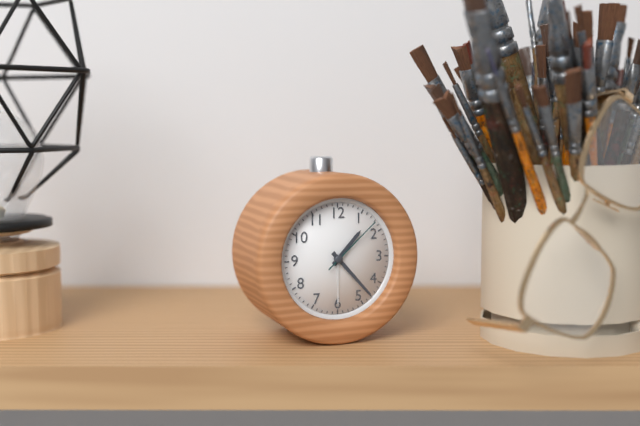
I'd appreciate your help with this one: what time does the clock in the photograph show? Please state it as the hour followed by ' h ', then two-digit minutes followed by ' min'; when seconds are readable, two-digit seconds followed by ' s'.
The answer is 1 h 23 min 08 s
